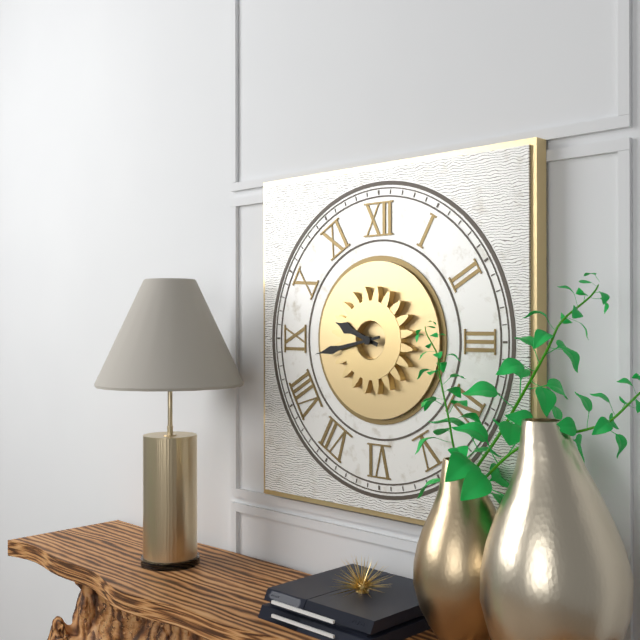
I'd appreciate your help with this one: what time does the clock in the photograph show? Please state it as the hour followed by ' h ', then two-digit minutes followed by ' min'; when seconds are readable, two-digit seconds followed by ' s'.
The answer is 9 h 43 min
